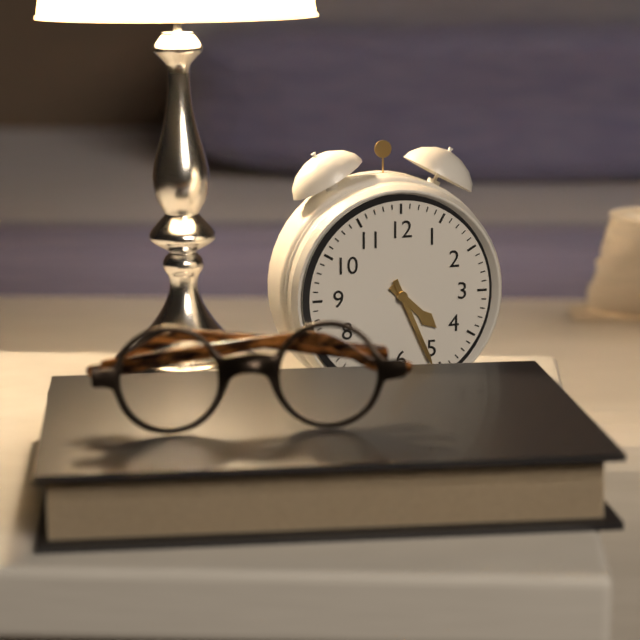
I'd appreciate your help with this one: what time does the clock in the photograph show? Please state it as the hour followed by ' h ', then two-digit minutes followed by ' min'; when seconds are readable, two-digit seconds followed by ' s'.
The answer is 4 h 26 min
